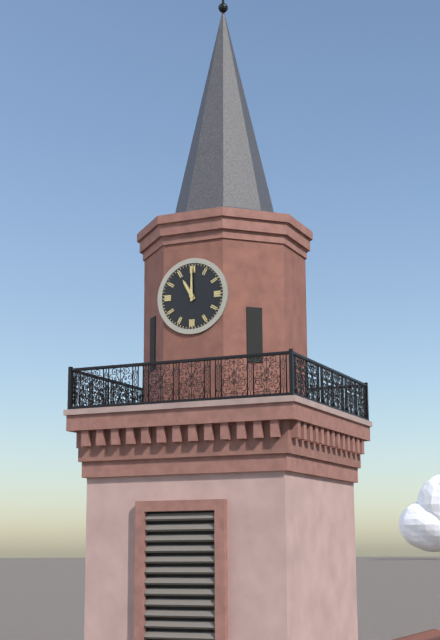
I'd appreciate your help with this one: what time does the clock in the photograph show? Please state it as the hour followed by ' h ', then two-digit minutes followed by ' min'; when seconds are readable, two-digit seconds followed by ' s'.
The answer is 11 h 00 min
